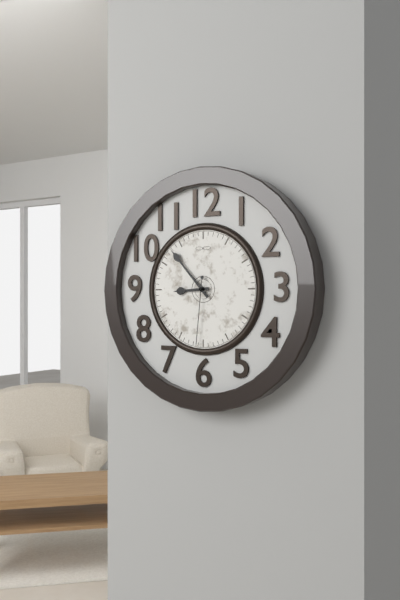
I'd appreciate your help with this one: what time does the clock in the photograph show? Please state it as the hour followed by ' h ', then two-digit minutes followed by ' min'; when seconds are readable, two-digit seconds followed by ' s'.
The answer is 8 h 53 min 31 s
